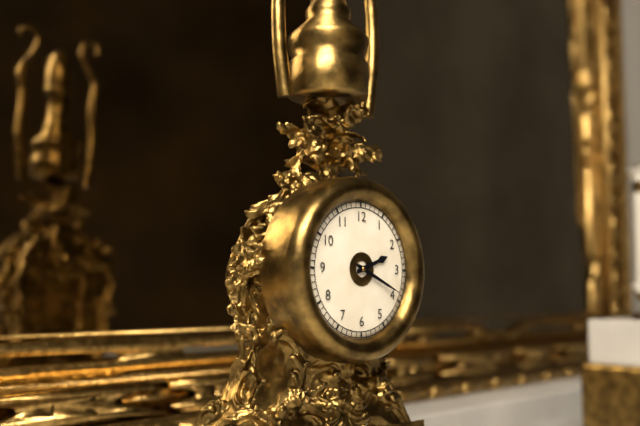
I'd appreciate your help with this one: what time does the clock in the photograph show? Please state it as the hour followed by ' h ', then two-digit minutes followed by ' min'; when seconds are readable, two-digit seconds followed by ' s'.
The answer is 2 h 19 min
